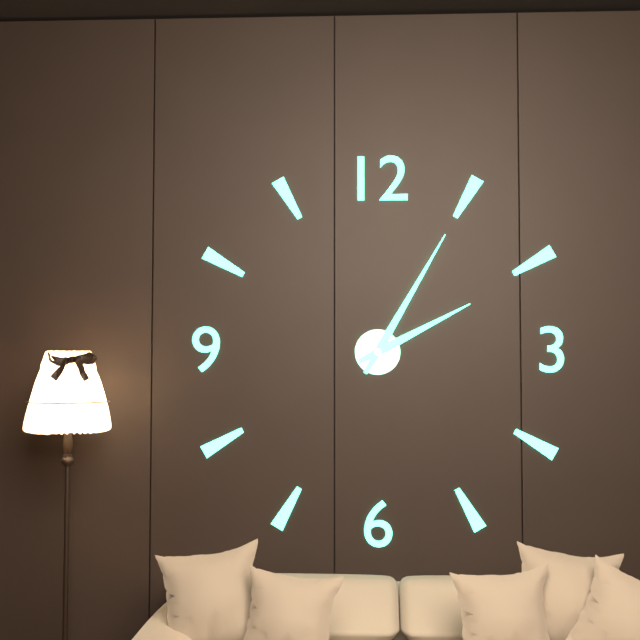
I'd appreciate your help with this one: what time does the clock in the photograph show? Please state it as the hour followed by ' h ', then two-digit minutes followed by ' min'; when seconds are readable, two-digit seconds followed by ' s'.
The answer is 2 h 05 min
